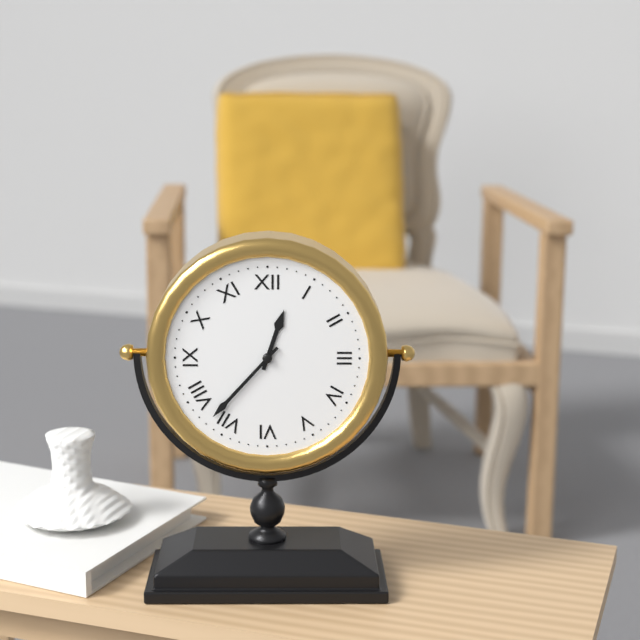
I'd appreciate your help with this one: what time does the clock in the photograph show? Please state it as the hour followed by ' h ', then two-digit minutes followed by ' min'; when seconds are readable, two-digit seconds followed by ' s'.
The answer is 12 h 37 min
